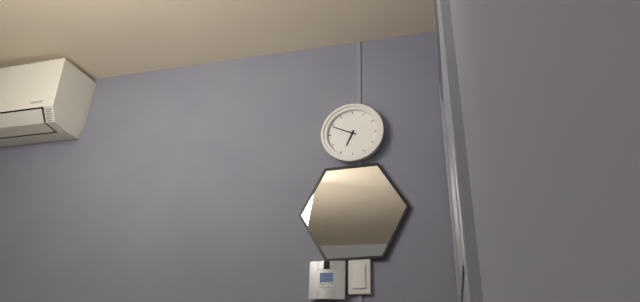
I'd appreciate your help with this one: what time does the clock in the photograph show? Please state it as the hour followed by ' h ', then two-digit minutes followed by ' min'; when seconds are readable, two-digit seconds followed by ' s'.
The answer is 6 h 49 min
